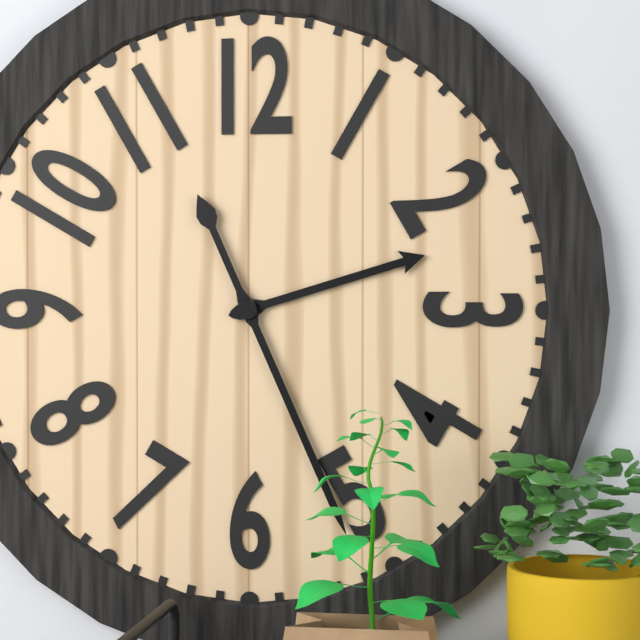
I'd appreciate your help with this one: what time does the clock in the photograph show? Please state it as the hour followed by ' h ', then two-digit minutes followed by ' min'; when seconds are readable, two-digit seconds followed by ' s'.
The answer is 2 h 26 min
